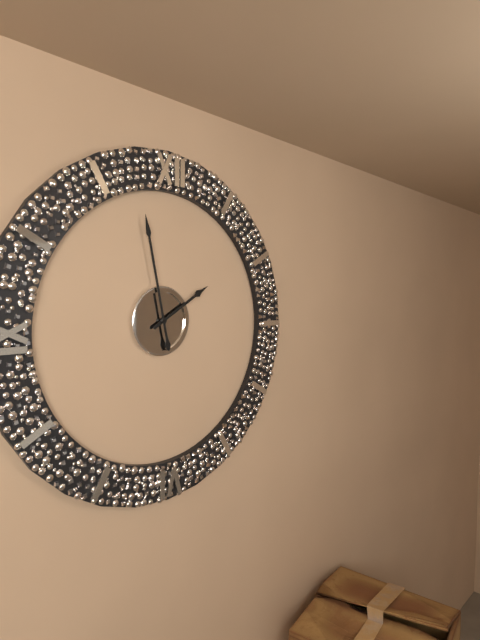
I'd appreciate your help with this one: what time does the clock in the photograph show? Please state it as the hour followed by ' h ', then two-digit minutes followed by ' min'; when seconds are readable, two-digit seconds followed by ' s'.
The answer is 1 h 58 min
